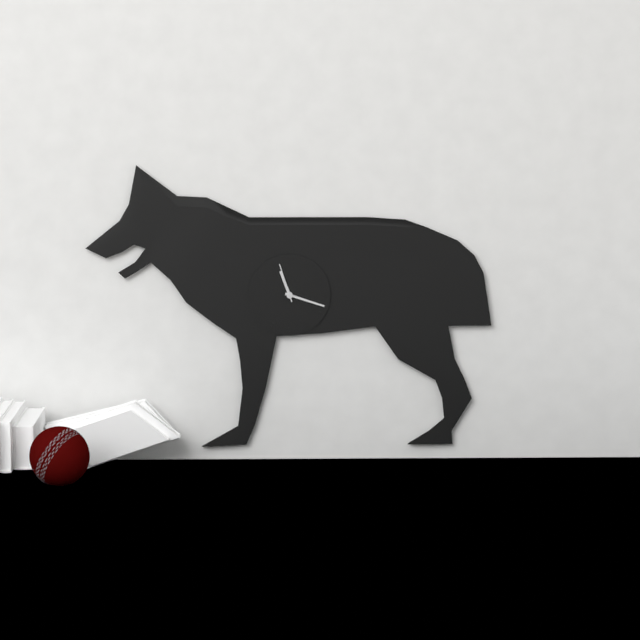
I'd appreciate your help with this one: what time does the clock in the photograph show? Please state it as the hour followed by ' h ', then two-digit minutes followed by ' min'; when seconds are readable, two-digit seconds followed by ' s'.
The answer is 11 h 18 min
